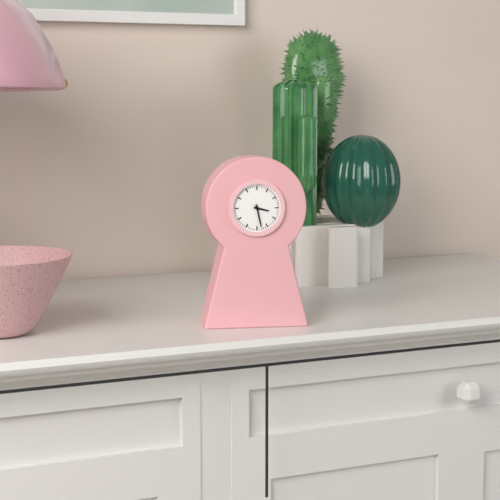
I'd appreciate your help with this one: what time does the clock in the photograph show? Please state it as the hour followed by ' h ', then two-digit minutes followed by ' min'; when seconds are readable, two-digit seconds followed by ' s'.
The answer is 3 h 28 min
